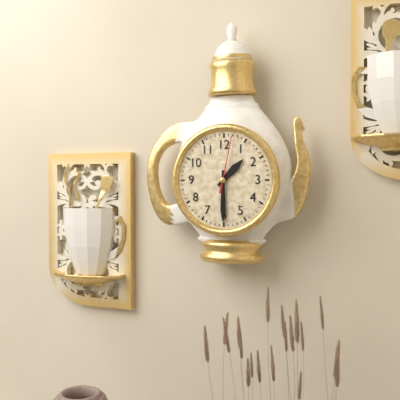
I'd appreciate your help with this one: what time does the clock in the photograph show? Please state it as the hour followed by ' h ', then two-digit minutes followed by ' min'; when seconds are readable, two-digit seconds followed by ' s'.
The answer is 1 h 30 min 02 s
